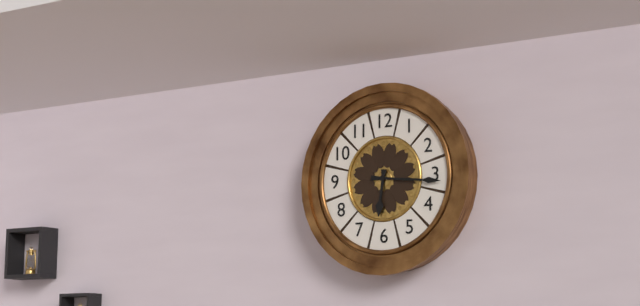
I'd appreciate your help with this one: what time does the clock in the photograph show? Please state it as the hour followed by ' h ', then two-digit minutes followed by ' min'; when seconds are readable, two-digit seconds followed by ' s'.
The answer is 6 h 16 min
